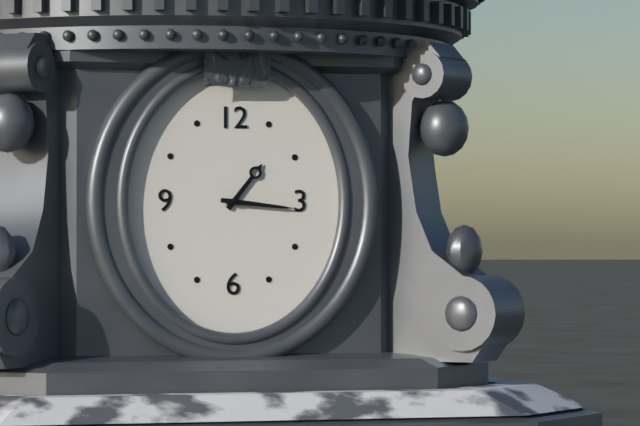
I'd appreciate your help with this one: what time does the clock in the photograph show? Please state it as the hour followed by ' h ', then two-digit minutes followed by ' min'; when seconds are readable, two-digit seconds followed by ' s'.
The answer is 1 h 16 min
